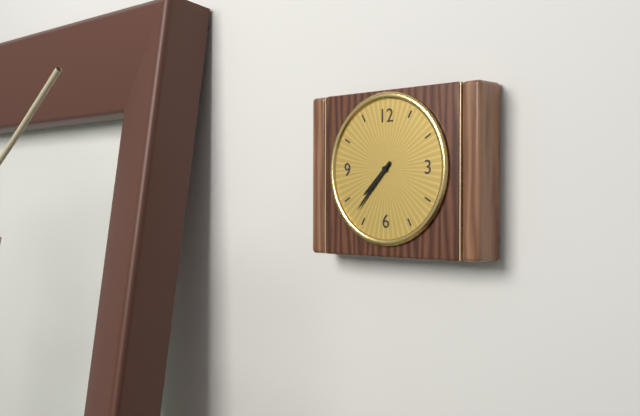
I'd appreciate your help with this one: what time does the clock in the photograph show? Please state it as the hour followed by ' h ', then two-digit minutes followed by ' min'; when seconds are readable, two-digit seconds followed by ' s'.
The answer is 7 h 37 min
